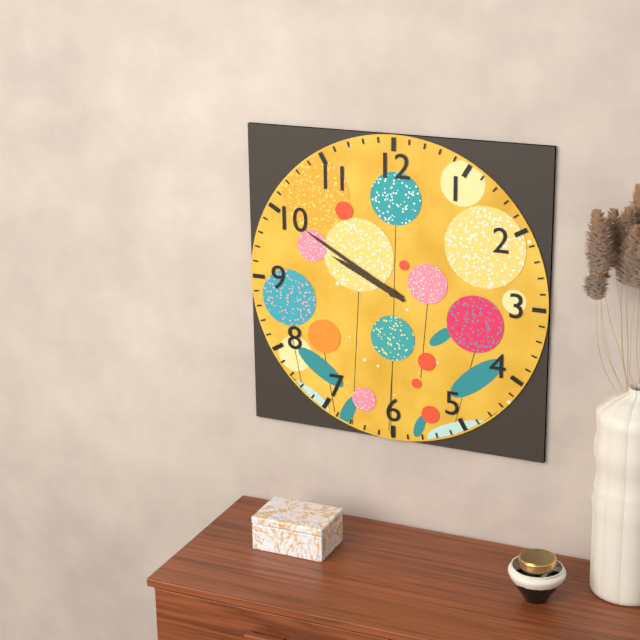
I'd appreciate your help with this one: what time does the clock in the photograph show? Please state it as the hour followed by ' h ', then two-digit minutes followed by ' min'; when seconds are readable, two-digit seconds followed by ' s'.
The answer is 9 h 50 min
